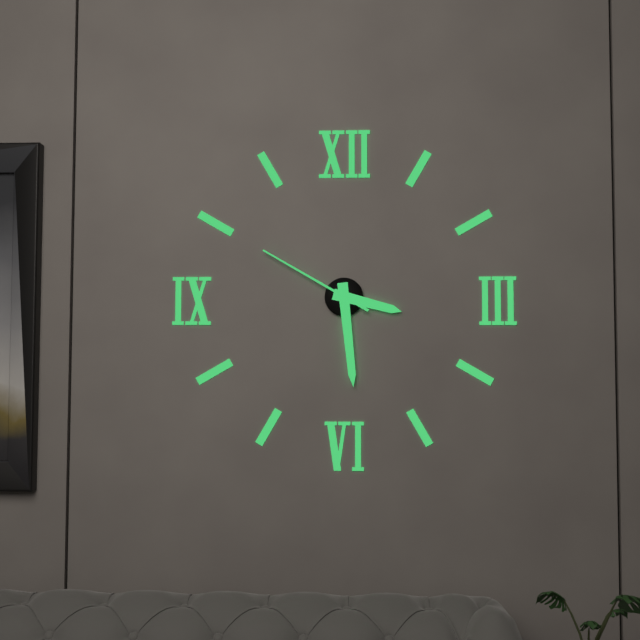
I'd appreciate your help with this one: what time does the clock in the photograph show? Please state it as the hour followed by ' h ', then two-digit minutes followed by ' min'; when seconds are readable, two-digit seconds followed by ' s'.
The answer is 3 h 29 min 50 s
